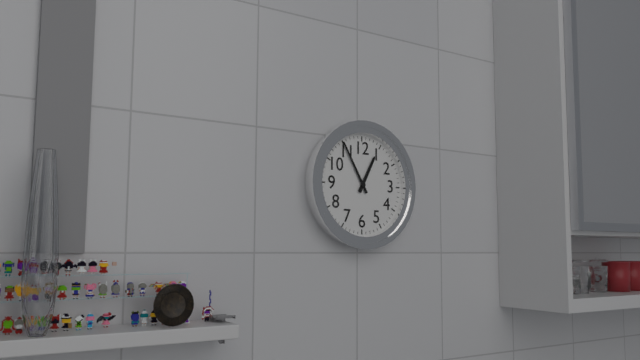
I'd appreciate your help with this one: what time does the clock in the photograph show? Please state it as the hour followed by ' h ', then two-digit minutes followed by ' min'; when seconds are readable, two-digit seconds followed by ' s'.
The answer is 12 h 55 min
